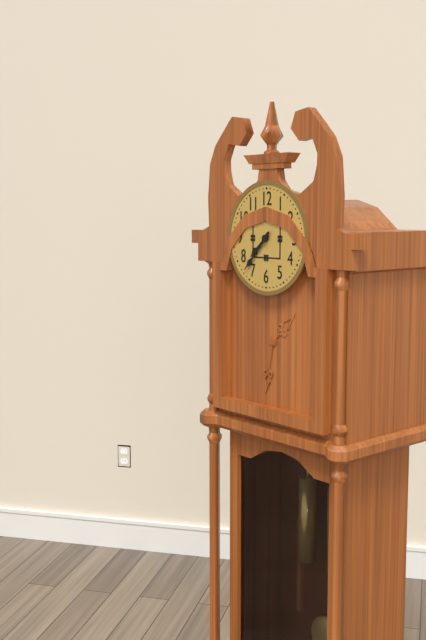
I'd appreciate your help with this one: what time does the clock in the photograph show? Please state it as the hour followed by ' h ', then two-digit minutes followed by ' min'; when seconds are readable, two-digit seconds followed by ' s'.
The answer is 7 h 37 min
